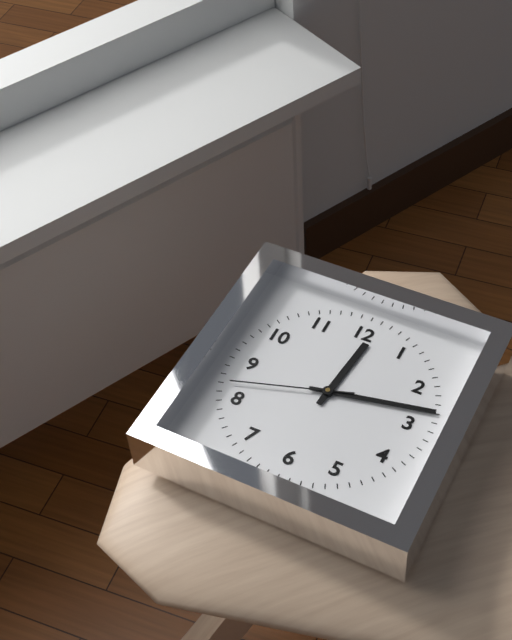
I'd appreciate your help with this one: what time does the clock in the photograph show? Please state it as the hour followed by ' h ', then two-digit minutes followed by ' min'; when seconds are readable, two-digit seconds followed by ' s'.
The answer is 12 h 13 min 42 s
